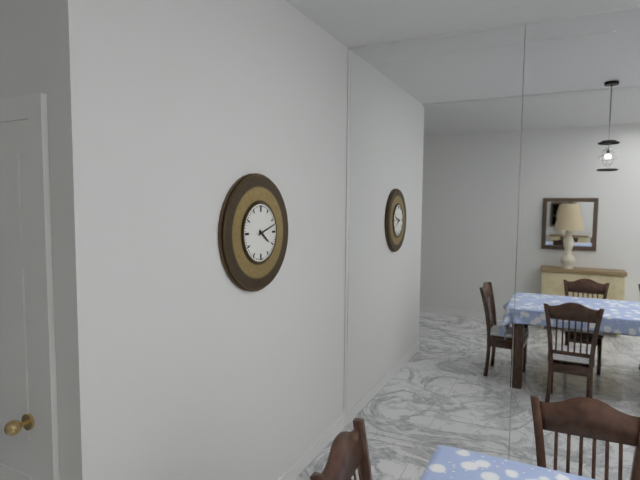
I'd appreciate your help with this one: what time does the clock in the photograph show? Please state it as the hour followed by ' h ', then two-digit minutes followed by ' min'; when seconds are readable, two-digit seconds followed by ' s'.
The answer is 4 h 12 min
